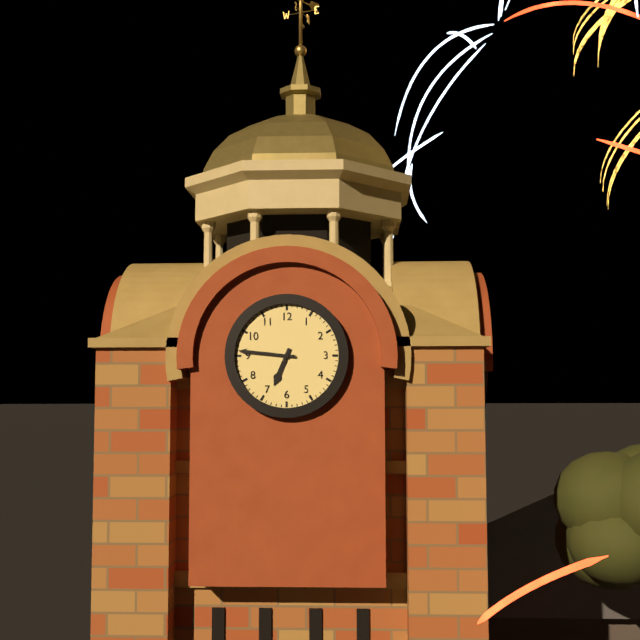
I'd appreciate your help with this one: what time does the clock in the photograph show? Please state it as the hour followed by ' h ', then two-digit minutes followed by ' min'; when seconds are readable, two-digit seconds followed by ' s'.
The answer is 6 h 46 min
